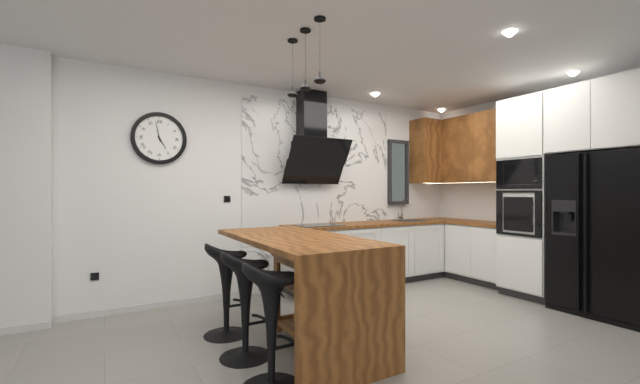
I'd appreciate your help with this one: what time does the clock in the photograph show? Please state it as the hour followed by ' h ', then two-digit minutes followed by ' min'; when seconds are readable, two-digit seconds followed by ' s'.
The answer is 4 h 58 min
